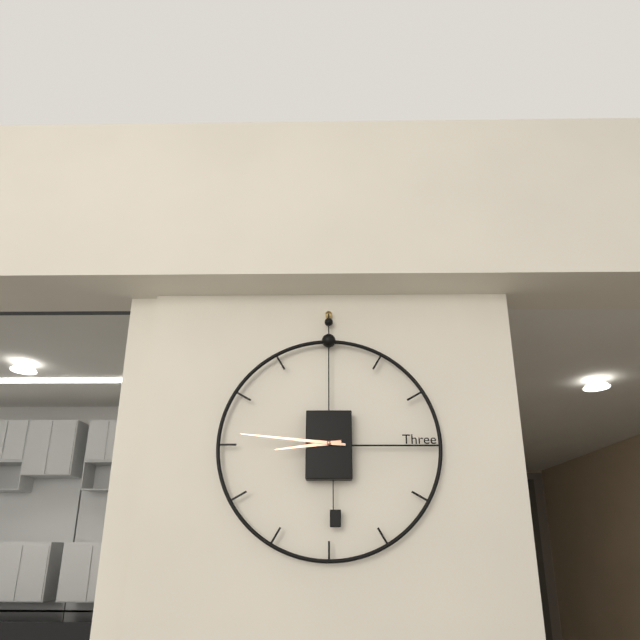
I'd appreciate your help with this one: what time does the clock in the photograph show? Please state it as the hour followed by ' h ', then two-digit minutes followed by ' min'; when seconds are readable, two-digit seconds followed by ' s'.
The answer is 8 h 46 min
